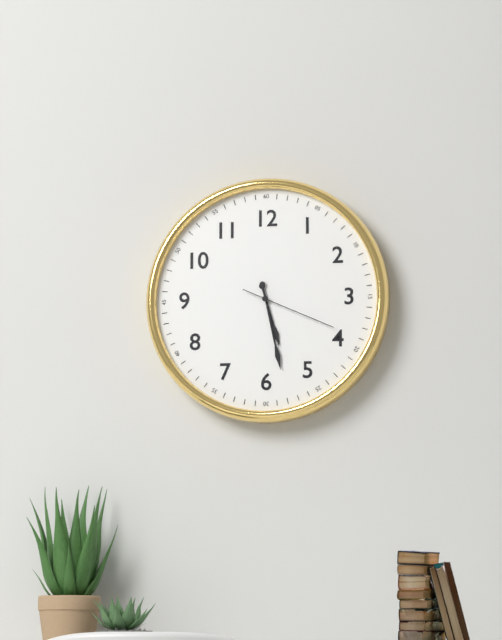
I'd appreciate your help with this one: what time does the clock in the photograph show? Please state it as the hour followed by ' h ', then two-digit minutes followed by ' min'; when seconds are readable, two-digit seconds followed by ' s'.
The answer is 5 h 28 min 19 s
